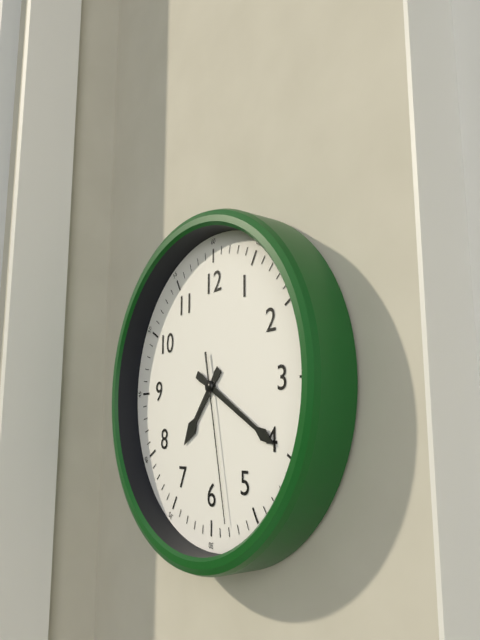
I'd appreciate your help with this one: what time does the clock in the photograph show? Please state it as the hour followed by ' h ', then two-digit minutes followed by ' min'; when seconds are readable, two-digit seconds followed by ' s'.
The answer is 7 h 20 min 28 s
